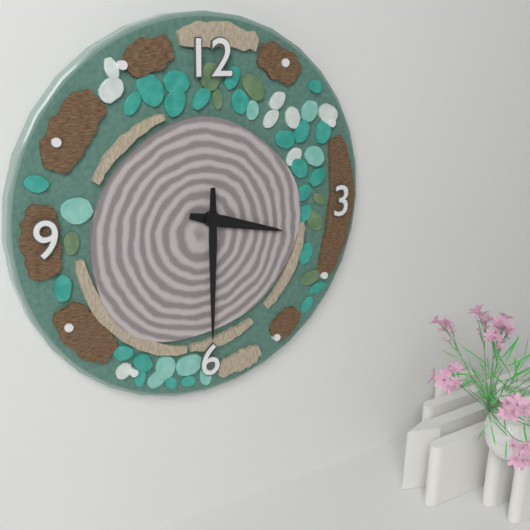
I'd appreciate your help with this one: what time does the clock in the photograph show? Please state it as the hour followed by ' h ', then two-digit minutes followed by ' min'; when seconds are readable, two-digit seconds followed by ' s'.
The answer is 3 h 30 min
